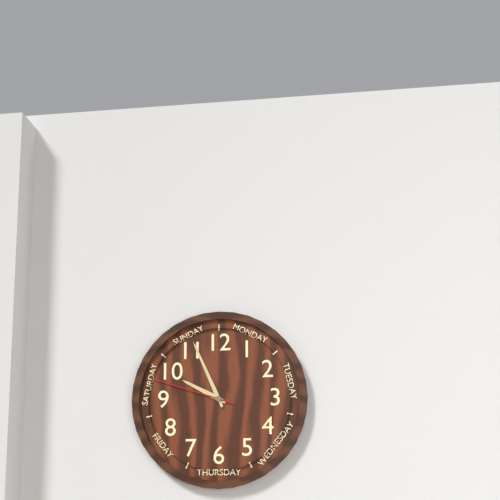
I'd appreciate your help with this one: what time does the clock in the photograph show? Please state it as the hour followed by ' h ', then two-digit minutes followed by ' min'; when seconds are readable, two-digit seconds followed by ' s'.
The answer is 9 h 56 min 48 s
